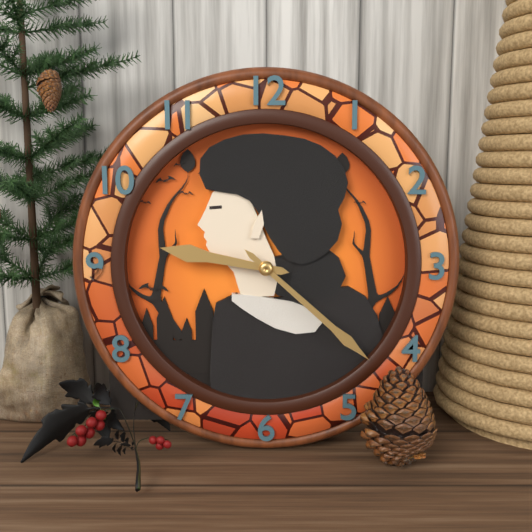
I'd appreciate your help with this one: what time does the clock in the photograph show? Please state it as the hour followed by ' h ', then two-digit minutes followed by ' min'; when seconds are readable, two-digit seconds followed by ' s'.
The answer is 9 h 22 min
